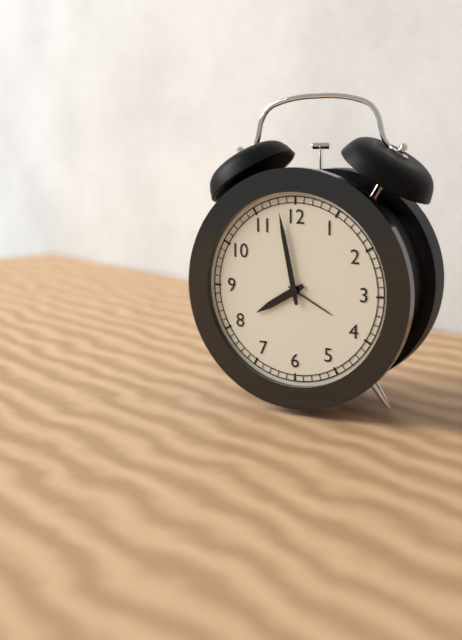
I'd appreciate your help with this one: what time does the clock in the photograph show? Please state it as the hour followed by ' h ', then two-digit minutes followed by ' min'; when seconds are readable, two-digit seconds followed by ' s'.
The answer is 7 h 58 min
